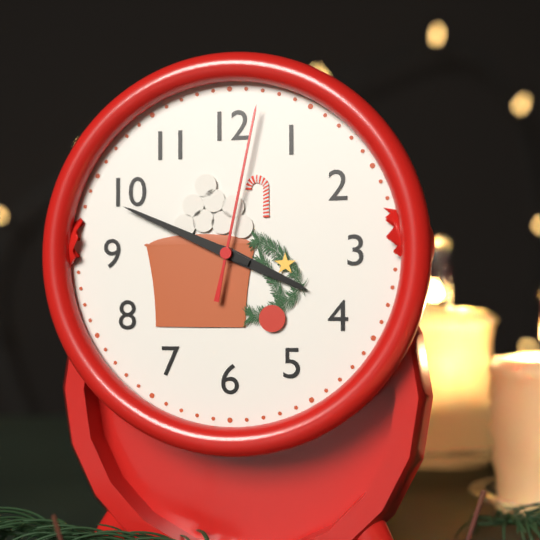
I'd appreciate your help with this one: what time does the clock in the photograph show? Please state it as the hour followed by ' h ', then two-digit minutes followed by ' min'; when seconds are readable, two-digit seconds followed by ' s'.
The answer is 3 h 49 min 02 s
